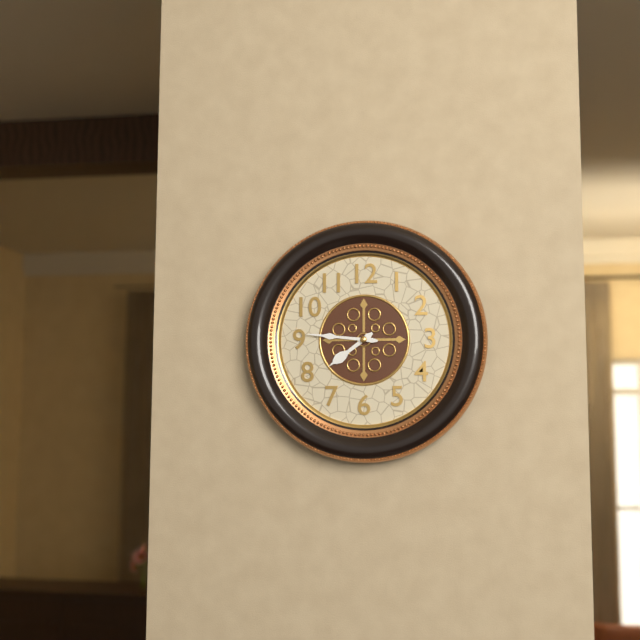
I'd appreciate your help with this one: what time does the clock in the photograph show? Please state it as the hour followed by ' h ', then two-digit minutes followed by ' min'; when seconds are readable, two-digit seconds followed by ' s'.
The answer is 7 h 46 min
